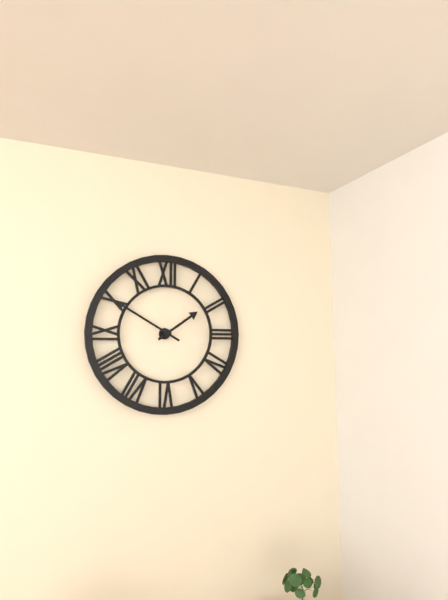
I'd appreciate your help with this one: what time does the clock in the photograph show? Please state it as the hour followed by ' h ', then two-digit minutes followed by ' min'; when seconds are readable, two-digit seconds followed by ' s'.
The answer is 1 h 50 min
